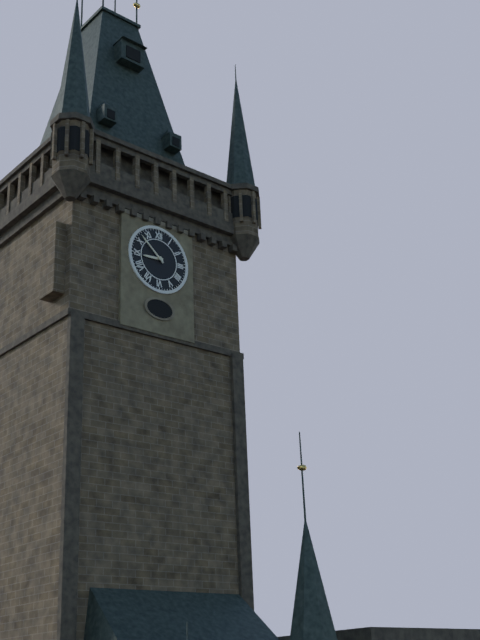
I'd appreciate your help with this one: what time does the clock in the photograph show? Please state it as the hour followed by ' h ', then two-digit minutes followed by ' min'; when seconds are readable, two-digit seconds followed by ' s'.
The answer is 8 h 52 min
